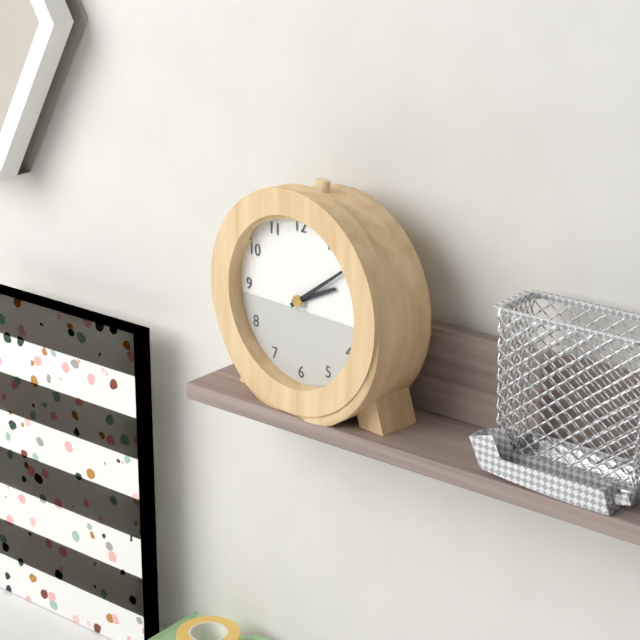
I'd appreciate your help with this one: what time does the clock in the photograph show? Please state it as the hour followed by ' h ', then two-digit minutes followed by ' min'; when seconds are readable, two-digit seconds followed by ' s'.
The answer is 2 h 09 min
